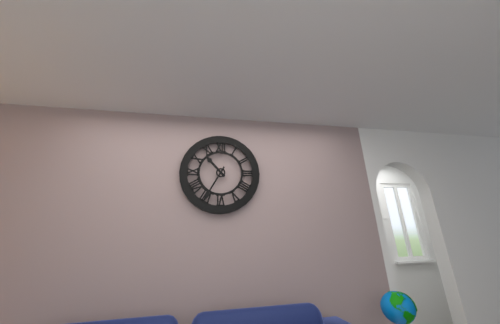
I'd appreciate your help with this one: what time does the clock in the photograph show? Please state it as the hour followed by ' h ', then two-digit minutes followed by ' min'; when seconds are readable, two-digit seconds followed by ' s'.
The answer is 10 h 35 min
